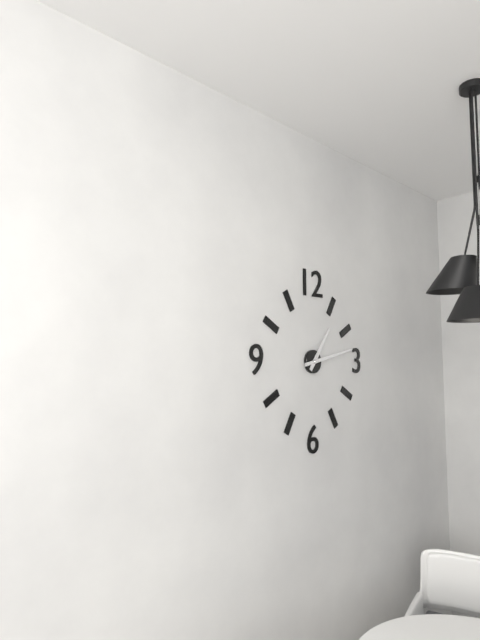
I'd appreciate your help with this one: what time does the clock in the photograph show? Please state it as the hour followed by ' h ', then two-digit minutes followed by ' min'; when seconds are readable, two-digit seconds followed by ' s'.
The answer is 1 h 13 min
